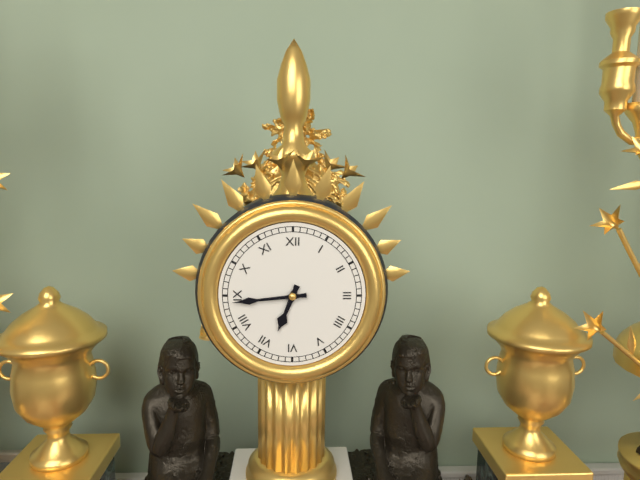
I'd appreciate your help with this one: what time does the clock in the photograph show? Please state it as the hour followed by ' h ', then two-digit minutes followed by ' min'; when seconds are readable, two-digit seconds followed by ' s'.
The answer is 6 h 44 min
